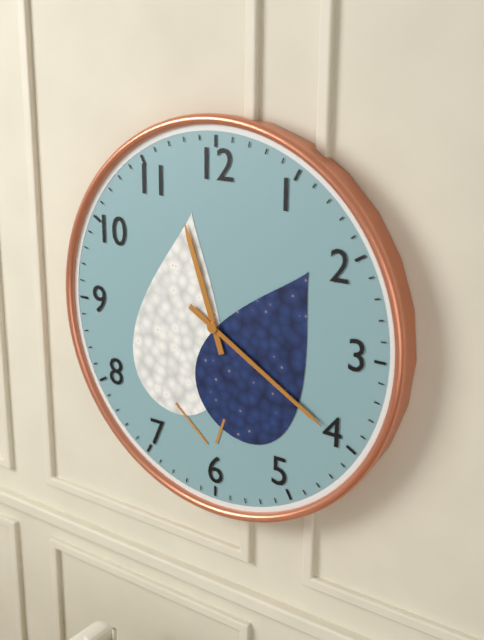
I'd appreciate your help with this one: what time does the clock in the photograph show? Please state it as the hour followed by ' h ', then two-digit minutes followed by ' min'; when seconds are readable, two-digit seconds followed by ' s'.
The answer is 11 h 20 min
